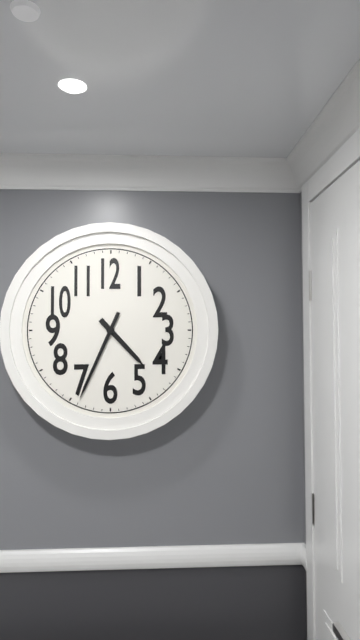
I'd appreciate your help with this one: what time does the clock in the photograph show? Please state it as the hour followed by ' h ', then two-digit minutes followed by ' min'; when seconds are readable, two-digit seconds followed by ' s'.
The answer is 4 h 34 min
